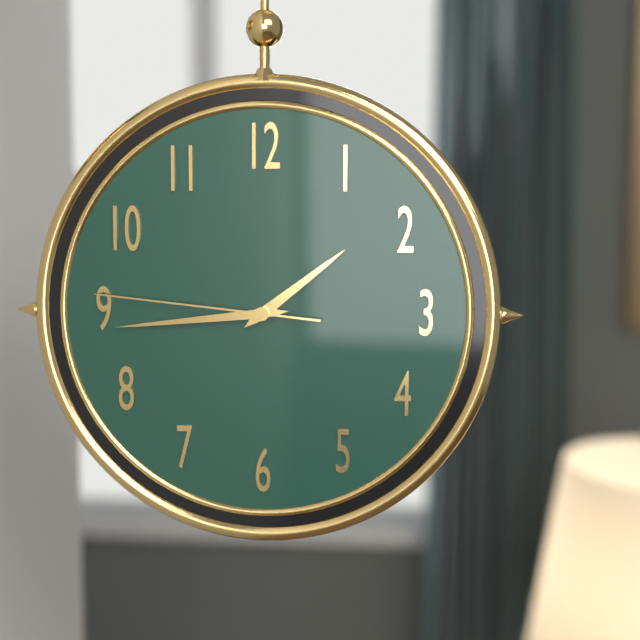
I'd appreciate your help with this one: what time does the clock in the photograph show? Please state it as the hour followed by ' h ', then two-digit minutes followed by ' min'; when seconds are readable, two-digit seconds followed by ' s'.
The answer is 1 h 44 min 46 s
